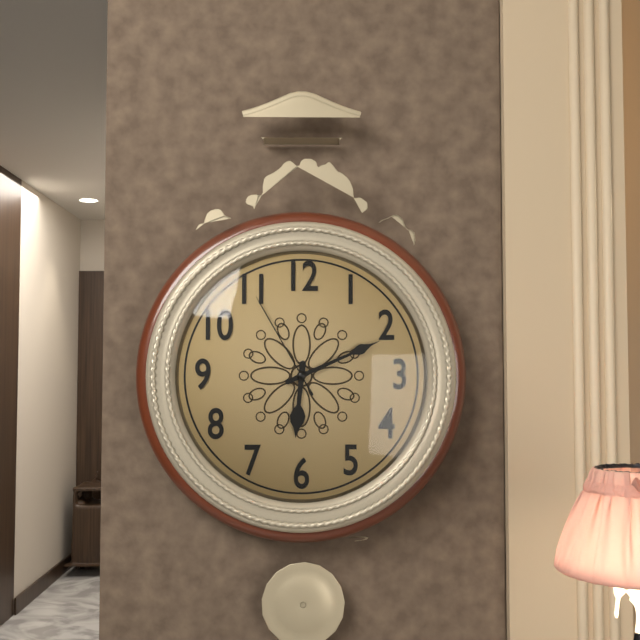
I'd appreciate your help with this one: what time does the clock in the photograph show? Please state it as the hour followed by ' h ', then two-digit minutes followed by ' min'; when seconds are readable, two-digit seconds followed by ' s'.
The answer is 6 h 11 min 55 s
